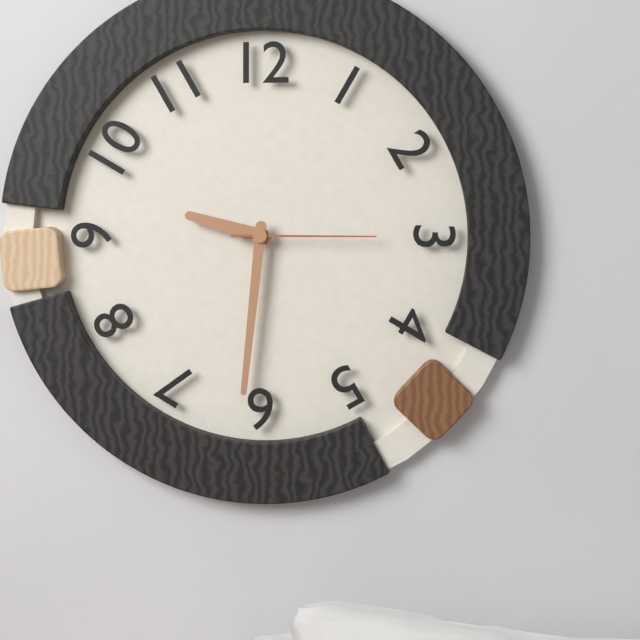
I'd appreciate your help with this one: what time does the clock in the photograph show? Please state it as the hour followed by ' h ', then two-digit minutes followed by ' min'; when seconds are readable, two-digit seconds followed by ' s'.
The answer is 9 h 31 min 15 s
